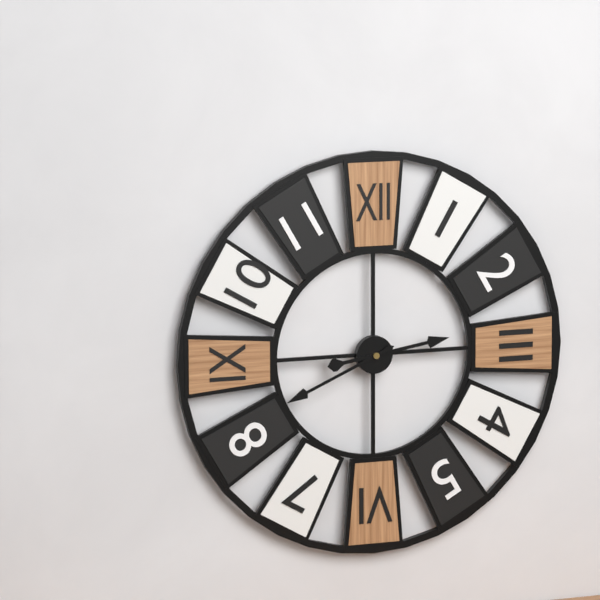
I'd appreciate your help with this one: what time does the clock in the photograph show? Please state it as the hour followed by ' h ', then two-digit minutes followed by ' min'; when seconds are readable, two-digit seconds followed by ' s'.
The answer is 2 h 41 min
